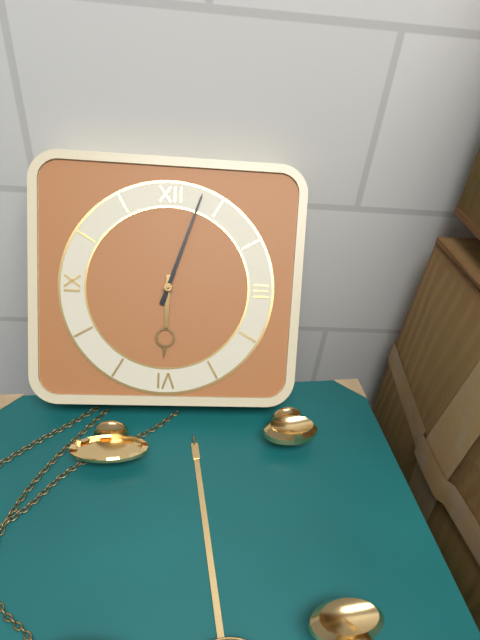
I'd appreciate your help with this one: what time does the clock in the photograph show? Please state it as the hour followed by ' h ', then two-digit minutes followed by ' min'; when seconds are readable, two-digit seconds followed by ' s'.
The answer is 6 h 03 min
